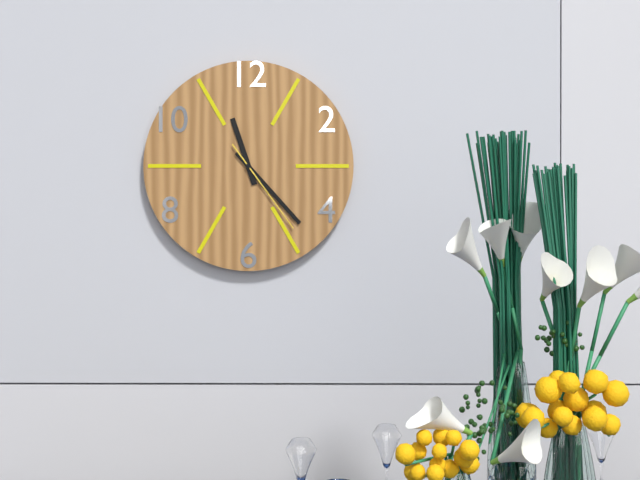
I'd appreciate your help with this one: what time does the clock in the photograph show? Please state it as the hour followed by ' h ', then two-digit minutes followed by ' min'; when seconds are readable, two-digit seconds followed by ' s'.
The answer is 11 h 23 min 24 s
